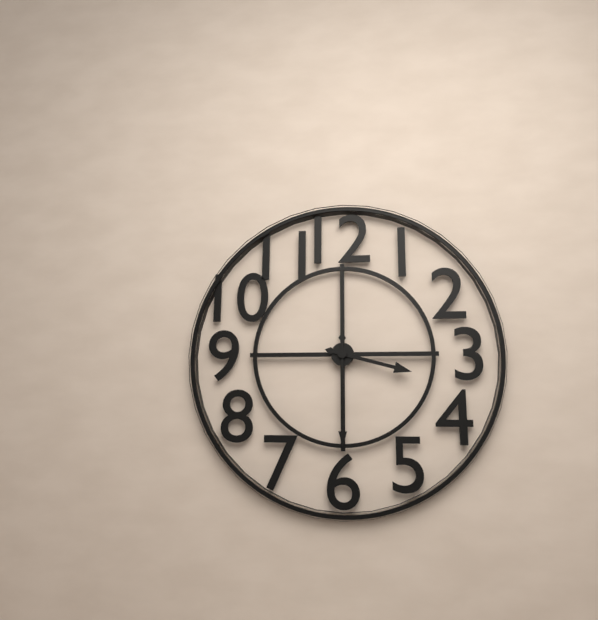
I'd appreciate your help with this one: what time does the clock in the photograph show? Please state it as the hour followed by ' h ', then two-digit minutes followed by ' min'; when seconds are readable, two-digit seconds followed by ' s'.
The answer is 3 h 30 min
